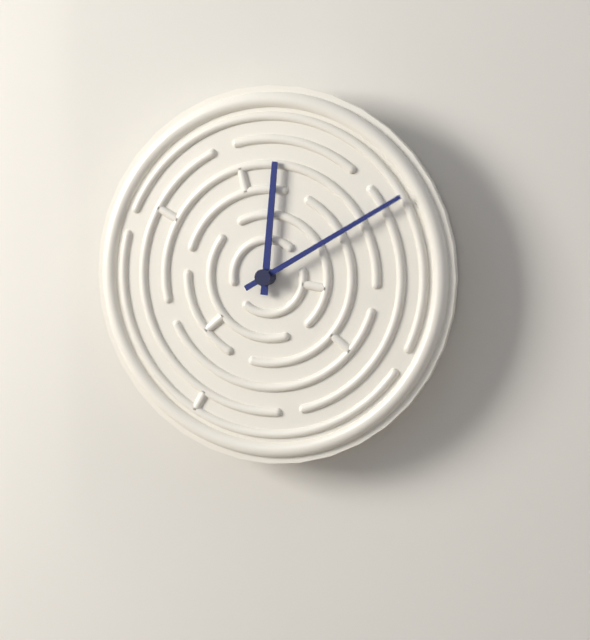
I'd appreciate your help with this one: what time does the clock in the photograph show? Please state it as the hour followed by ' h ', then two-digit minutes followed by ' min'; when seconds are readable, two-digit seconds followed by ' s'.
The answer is 12 h 10 min
